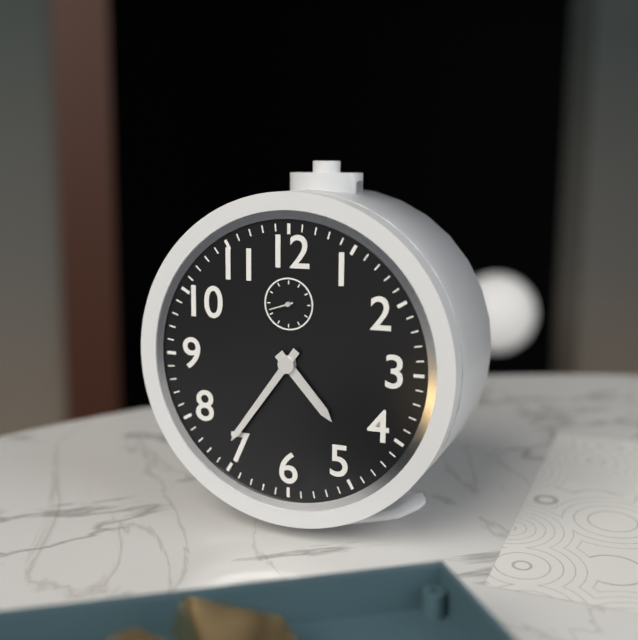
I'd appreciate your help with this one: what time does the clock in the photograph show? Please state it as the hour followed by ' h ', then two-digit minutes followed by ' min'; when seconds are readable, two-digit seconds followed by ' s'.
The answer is 4 h 36 min
